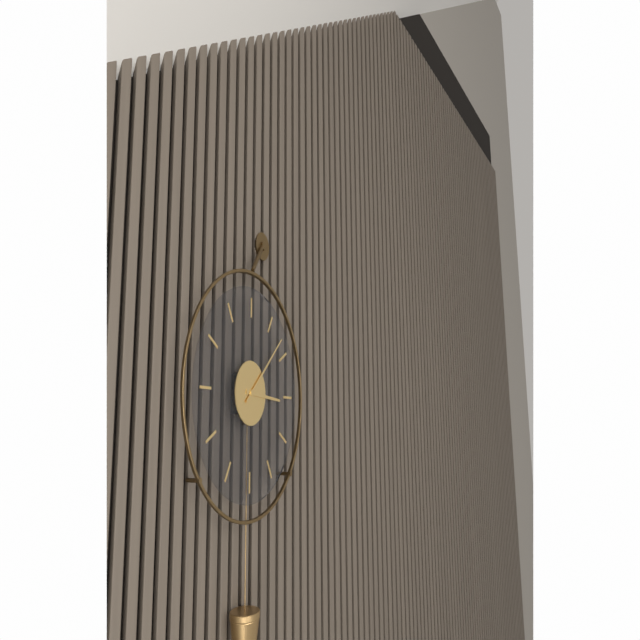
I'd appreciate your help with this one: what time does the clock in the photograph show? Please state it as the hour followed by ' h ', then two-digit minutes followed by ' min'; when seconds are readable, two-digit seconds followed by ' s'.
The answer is 3 h 08 min
